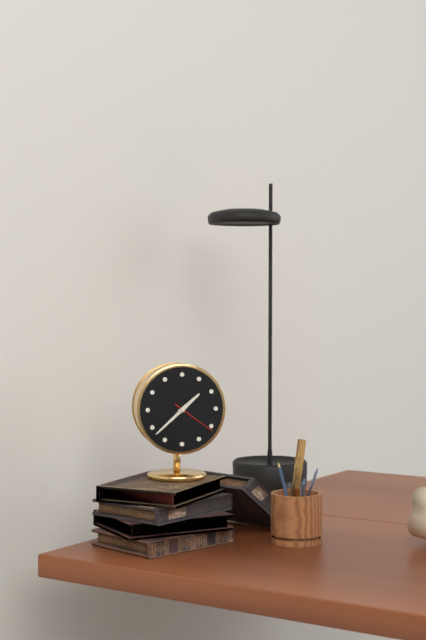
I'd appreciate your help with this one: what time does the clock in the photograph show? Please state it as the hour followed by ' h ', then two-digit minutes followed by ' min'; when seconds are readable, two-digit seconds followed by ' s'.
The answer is 1 h 38 min
